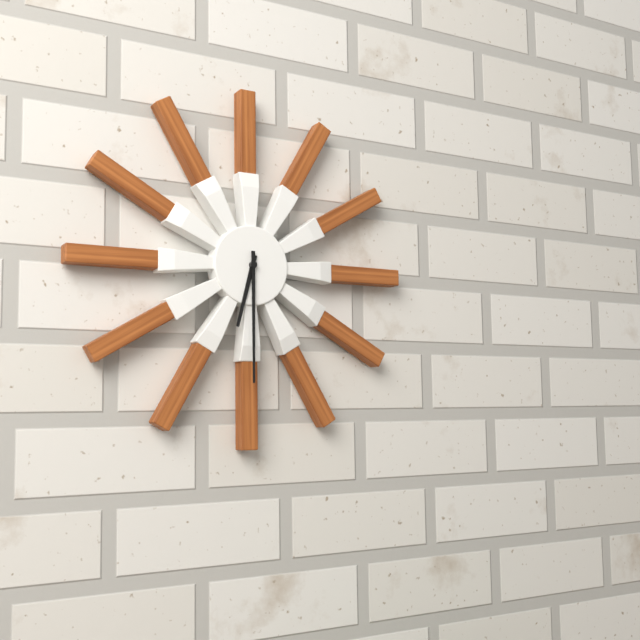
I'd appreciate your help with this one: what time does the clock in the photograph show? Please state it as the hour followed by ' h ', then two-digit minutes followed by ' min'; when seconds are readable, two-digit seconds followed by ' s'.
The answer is 6 h 30 min
